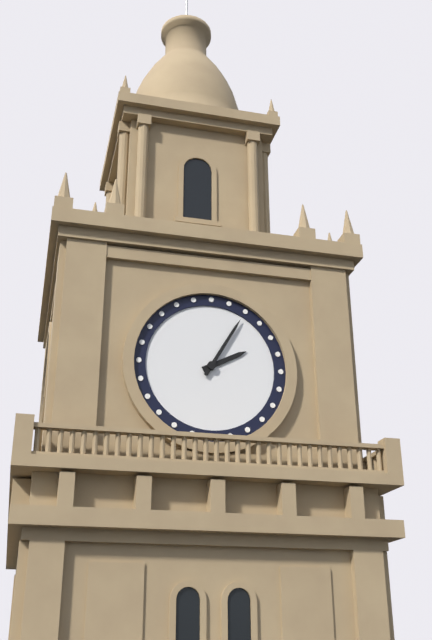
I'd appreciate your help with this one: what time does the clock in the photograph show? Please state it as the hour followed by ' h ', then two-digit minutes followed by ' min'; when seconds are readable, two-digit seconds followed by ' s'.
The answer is 2 h 05 min
